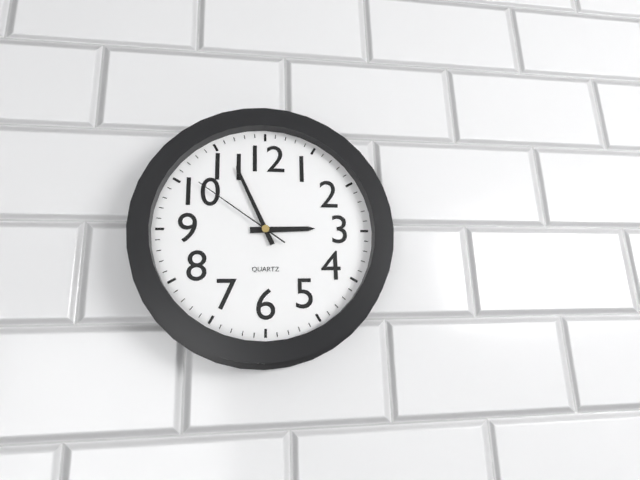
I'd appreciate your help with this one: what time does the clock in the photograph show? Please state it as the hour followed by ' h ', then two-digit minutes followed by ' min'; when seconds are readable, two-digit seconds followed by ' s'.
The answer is 2 h 56 min 51 s
